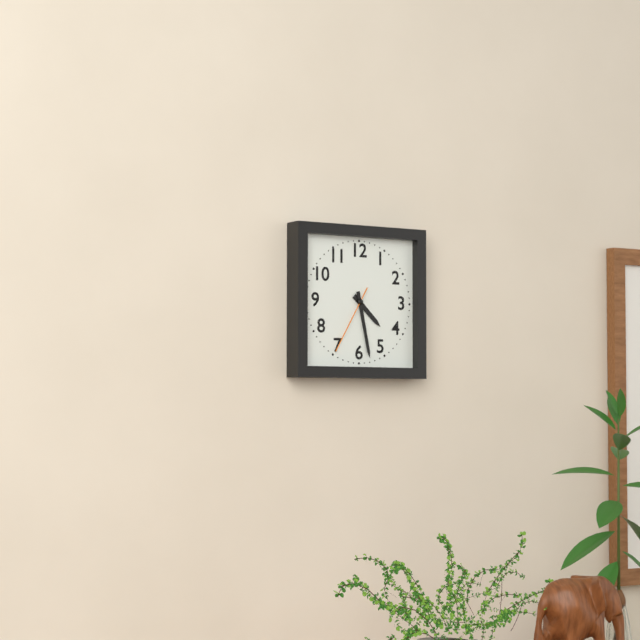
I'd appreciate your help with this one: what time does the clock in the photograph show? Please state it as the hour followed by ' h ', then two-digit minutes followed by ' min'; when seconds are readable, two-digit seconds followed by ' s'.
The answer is 4 h 28 min 35 s
